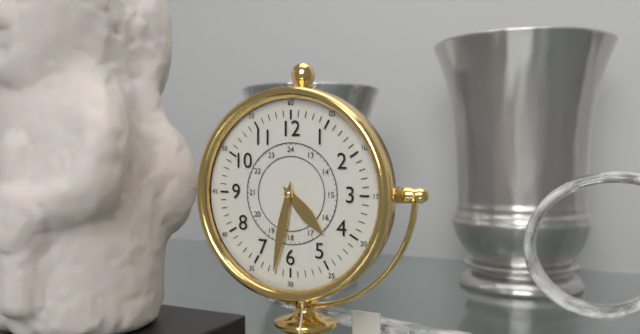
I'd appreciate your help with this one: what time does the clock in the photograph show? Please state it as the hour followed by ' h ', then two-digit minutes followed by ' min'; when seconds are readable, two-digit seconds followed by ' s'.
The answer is 4 h 32 min
